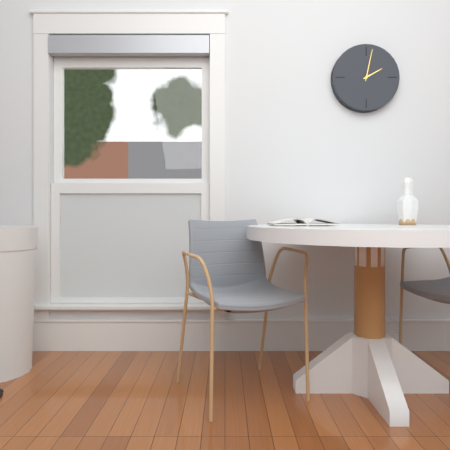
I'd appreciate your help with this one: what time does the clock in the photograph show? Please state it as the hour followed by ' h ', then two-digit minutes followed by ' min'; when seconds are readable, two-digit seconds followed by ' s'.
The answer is 2 h 02 min
